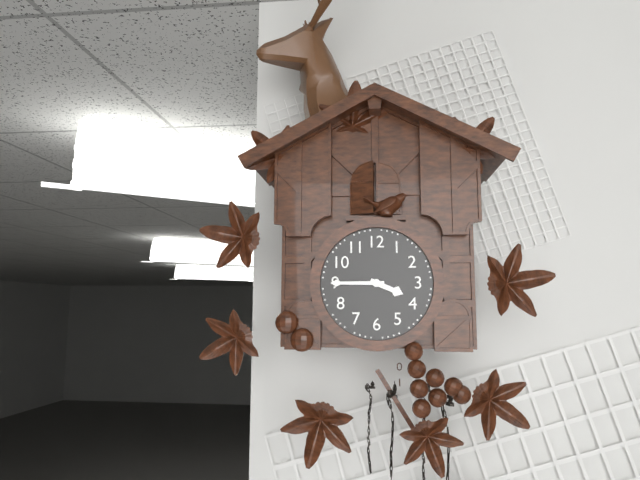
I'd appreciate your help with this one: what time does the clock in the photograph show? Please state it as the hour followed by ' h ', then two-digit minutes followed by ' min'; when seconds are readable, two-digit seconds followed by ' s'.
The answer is 3 h 45 min
